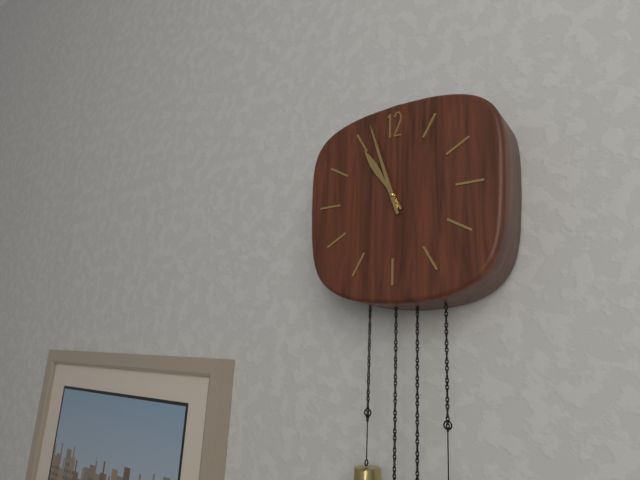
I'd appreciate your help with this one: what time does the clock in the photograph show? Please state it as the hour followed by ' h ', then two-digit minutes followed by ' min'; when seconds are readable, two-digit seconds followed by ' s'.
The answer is 10 h 57 min
